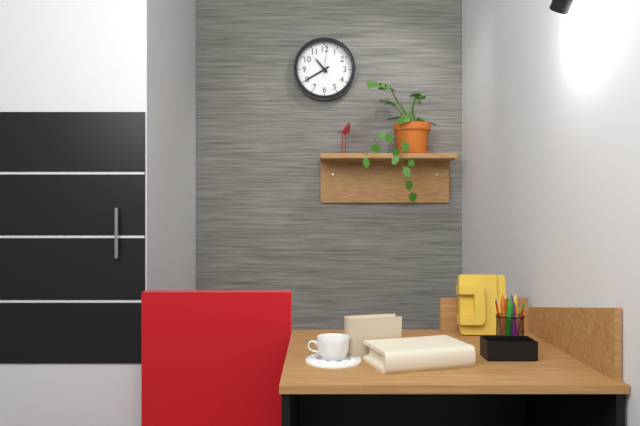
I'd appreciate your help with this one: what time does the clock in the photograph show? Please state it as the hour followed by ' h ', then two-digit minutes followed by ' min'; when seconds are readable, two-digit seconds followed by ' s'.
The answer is 10 h 40 min
